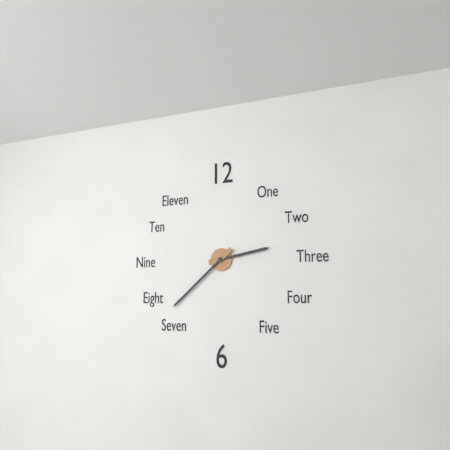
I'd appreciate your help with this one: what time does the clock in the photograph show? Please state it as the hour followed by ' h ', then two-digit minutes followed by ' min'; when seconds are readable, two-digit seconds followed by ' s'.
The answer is 2 h 38 min
